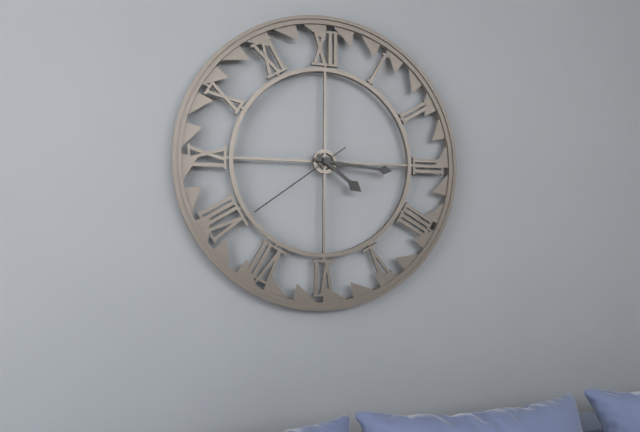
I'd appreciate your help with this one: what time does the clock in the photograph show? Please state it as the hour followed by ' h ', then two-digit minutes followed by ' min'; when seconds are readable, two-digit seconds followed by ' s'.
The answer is 4 h 16 min 39 s
